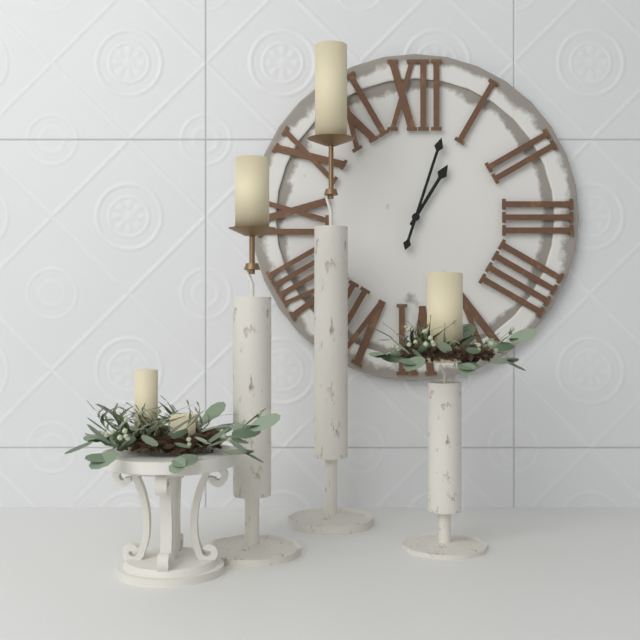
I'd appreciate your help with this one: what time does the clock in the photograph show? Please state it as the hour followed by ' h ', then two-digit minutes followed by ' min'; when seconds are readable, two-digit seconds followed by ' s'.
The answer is 1 h 03 min
